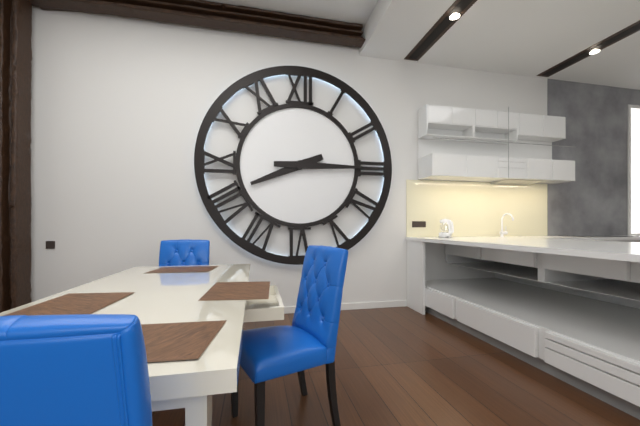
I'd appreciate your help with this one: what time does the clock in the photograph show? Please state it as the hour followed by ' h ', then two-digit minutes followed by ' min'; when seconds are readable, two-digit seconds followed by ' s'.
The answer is 8 h 15 min
